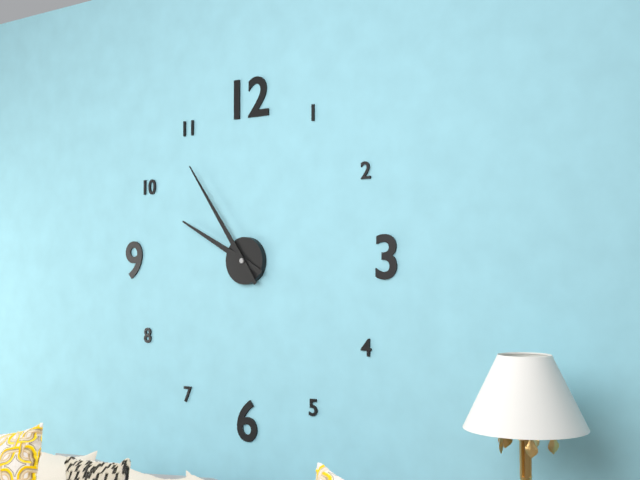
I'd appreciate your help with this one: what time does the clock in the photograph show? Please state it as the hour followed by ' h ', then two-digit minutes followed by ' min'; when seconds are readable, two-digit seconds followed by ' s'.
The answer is 9 h 54 min
